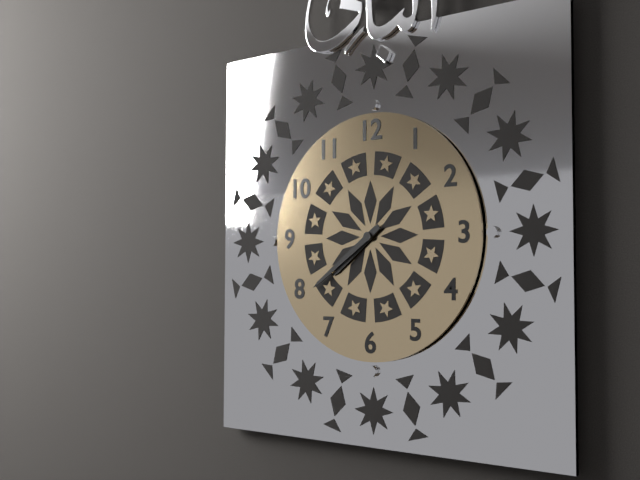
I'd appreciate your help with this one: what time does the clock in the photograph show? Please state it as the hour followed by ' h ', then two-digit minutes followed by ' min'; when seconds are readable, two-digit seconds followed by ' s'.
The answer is 7 h 39 min
